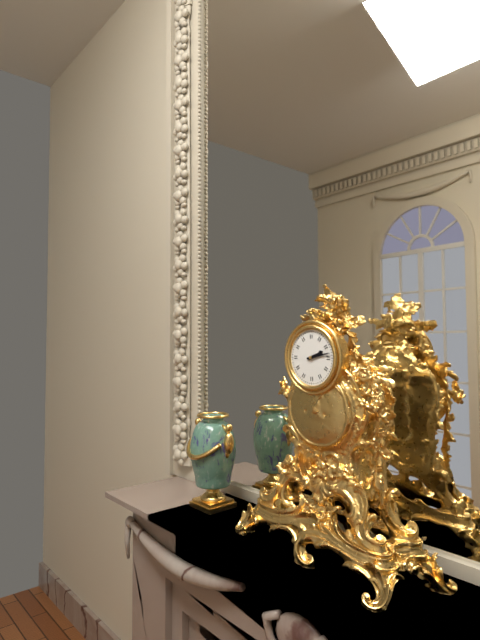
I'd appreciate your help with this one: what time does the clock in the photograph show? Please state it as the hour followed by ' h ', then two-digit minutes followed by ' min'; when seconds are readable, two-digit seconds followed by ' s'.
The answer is 2 h 13 min
